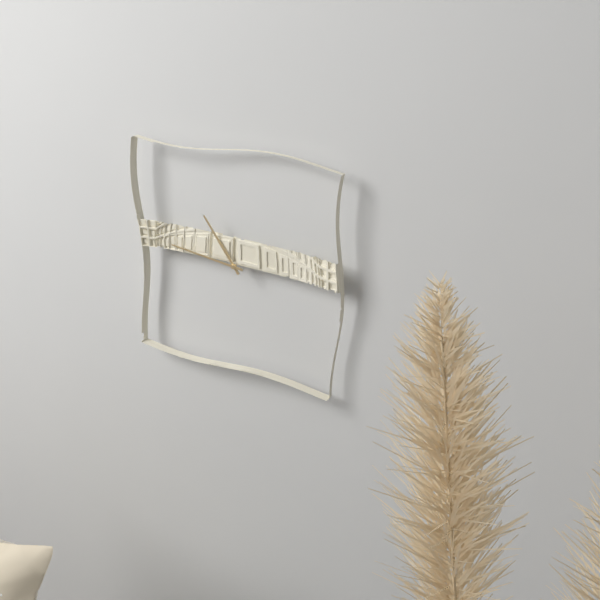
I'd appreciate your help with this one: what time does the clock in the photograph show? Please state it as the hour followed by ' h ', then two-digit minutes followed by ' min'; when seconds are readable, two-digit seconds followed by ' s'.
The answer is 10 h 46 min
